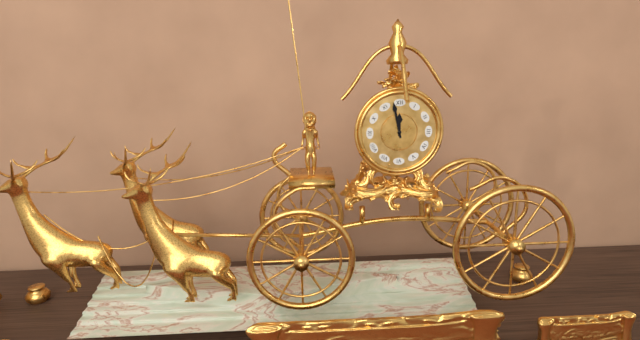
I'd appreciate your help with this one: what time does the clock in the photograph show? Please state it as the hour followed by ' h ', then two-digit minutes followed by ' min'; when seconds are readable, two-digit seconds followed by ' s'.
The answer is 11 h 58 min
